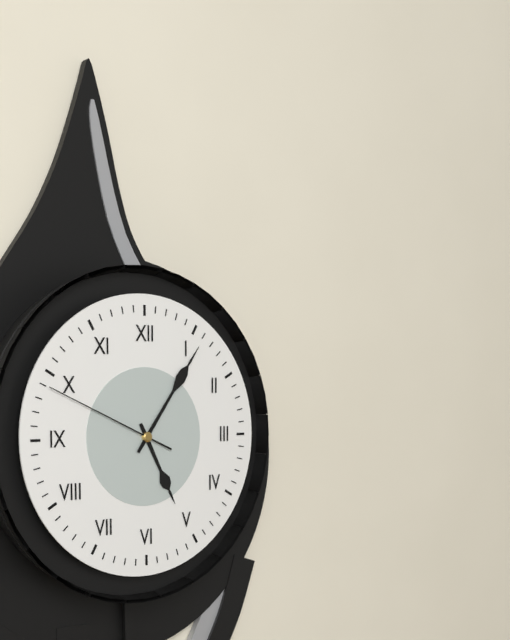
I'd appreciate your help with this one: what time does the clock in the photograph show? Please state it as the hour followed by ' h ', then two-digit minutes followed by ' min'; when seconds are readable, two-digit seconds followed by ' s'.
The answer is 5 h 06 min 49 s
